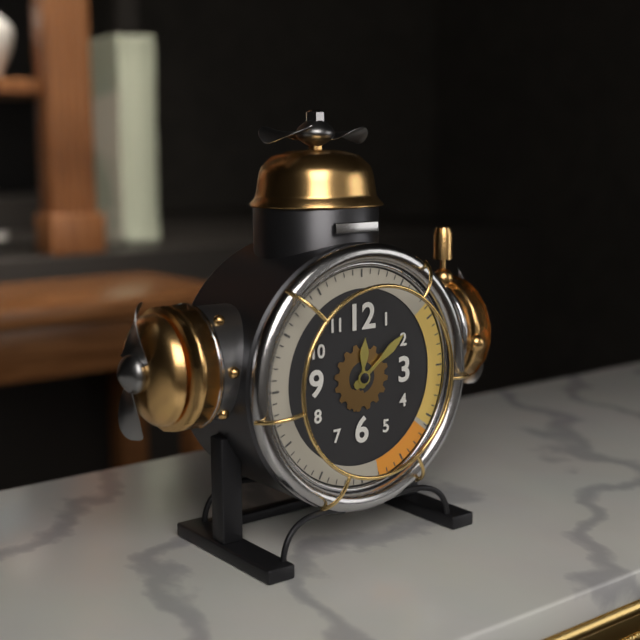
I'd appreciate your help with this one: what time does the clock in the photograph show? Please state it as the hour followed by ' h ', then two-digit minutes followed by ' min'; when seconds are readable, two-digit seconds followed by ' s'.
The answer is 12 h 09 min
